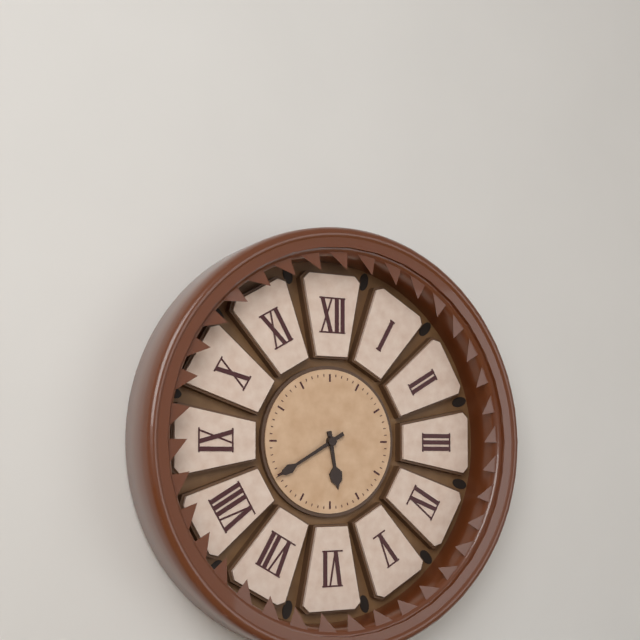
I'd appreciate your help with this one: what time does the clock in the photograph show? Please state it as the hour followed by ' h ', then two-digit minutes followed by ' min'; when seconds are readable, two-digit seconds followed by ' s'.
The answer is 5 h 40 min
